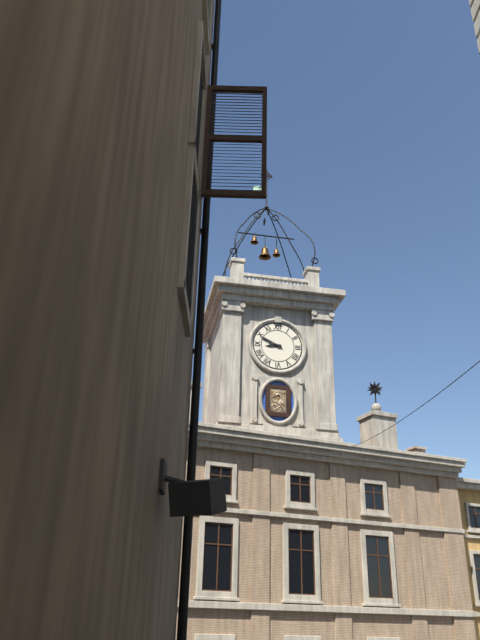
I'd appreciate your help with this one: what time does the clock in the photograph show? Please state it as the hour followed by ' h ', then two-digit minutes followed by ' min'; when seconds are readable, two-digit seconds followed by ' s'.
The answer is 8 h 49 min
